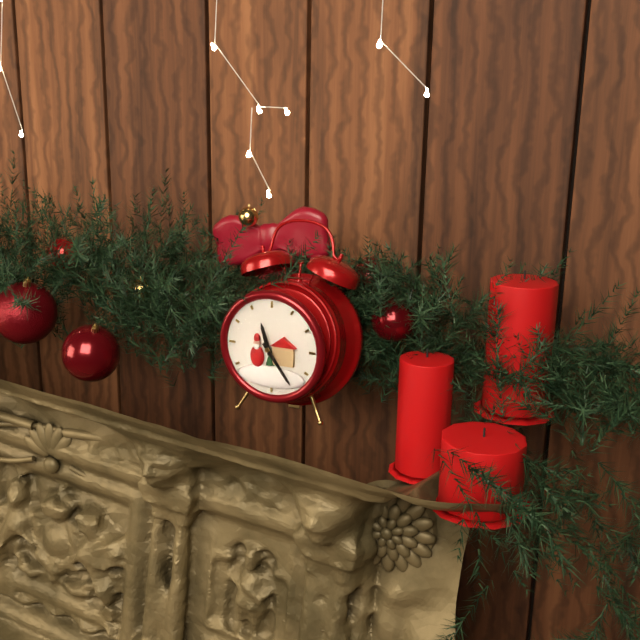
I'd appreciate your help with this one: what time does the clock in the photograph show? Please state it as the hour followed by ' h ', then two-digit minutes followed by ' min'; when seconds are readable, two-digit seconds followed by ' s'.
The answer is 11 h 24 min
